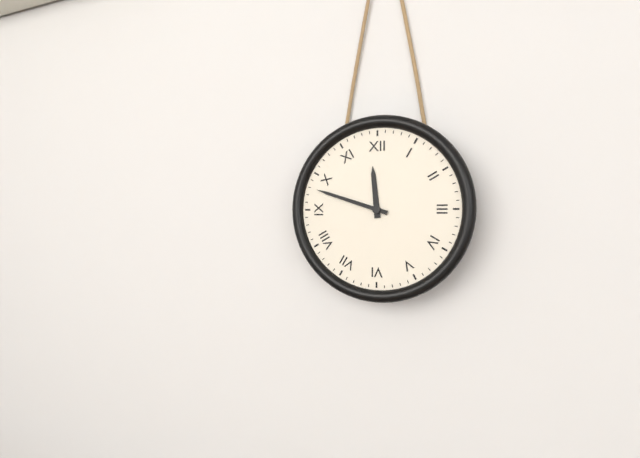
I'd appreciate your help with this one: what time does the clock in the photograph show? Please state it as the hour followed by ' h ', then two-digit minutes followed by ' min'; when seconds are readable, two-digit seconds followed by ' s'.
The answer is 11 h 48 min
